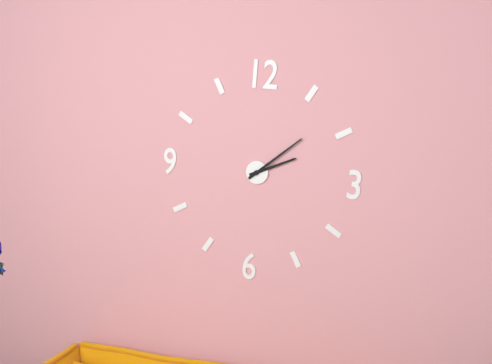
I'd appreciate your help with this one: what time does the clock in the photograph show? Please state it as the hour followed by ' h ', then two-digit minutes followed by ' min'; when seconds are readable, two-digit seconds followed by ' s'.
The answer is 2 h 08 min
